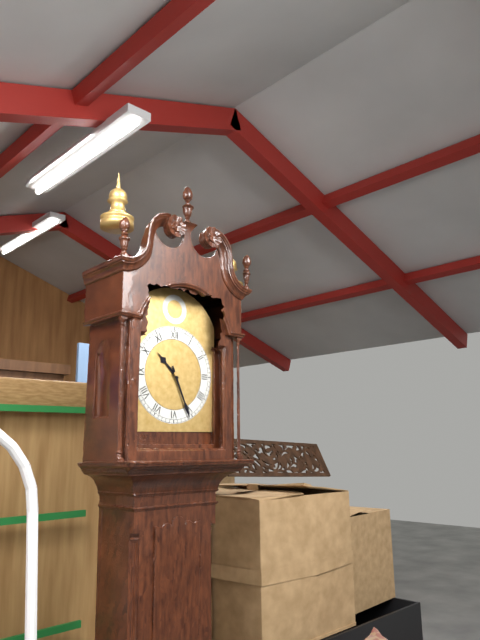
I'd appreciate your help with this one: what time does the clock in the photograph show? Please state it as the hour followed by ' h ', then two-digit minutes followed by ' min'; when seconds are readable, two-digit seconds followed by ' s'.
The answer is 10 h 26 min
